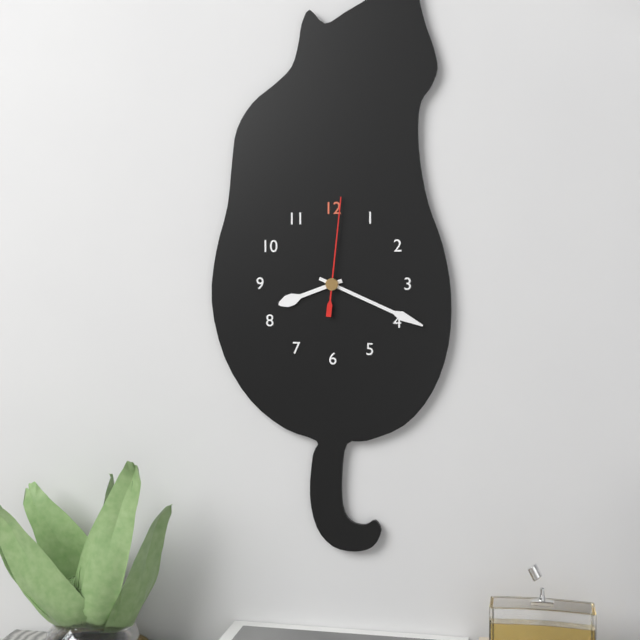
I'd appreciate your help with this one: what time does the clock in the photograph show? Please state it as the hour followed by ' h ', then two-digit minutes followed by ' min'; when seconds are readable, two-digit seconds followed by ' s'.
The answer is 8 h 19 min 01 s
